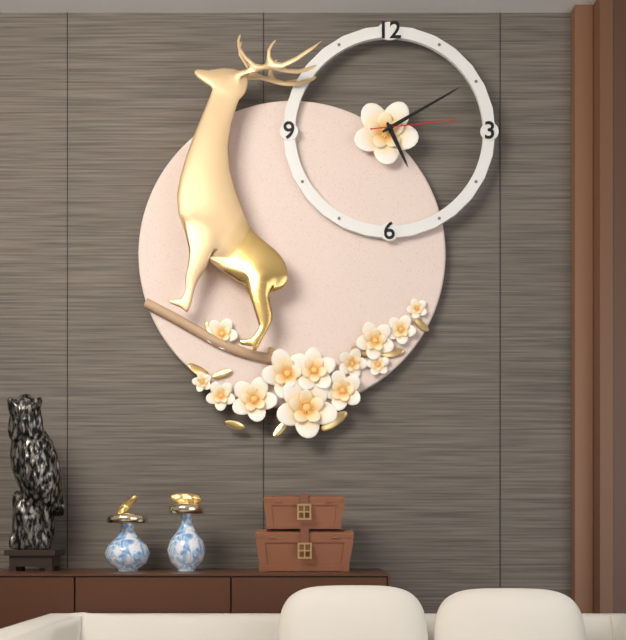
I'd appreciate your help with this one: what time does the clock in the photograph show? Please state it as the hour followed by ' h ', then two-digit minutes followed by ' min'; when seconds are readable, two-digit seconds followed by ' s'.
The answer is 5 h 10 min 14 s
